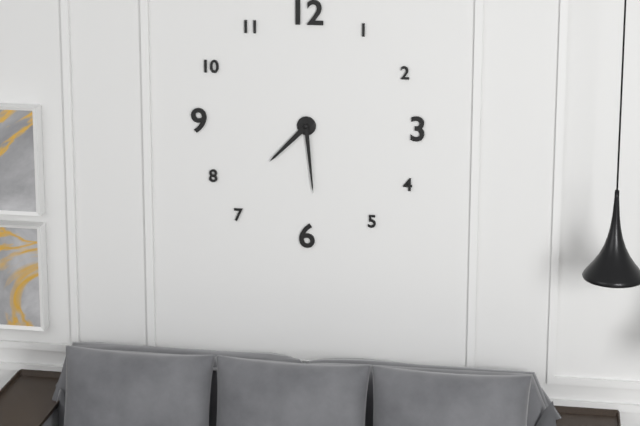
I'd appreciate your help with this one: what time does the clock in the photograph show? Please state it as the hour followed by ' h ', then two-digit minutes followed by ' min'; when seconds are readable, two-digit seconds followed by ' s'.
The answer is 7 h 29 min
